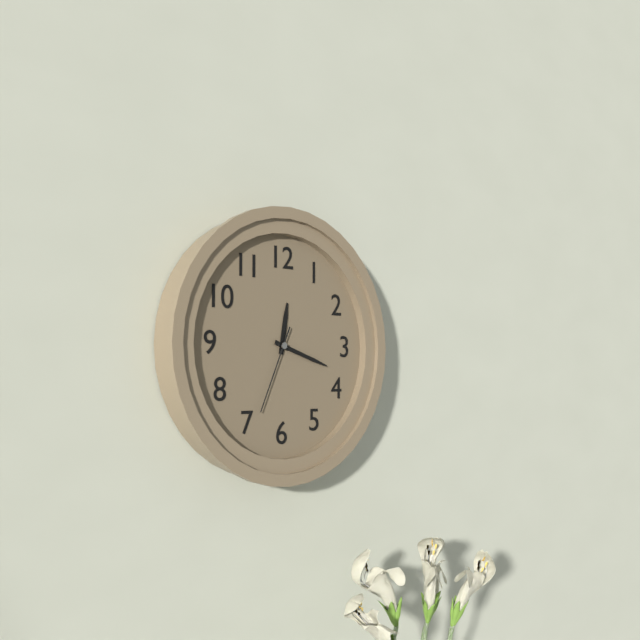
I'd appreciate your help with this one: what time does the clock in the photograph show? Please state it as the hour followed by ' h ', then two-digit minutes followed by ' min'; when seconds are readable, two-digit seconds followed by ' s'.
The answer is 12 h 18 min 34 s
